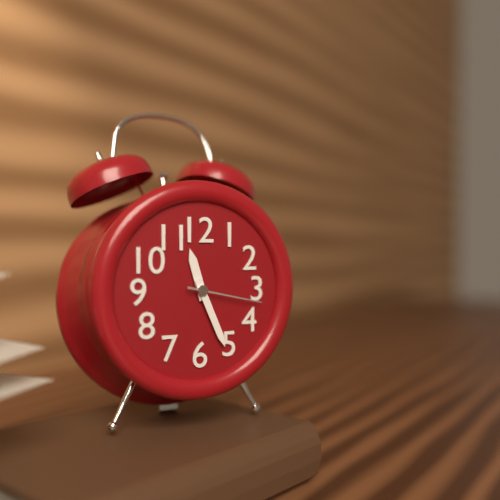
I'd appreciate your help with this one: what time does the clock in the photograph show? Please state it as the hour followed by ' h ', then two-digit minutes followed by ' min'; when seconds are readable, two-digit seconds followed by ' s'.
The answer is 11 h 26 min 17 s
